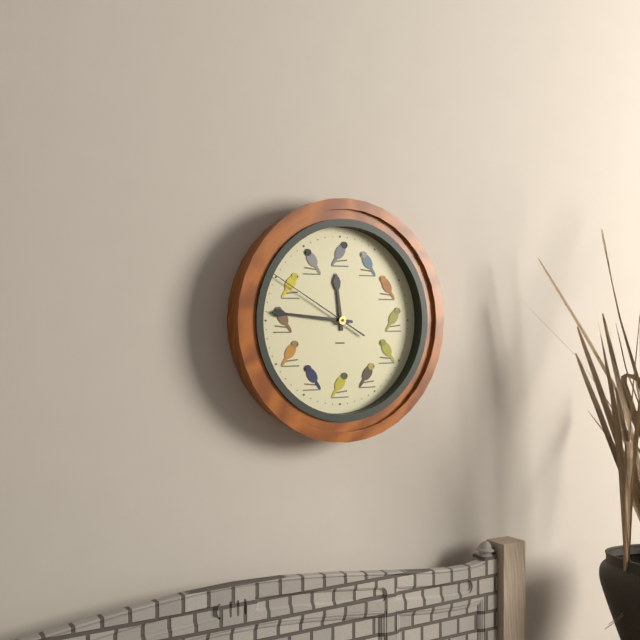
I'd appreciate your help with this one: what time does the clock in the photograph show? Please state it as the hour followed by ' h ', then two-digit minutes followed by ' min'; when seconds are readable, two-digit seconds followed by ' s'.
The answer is 11 h 46 min 50 s
